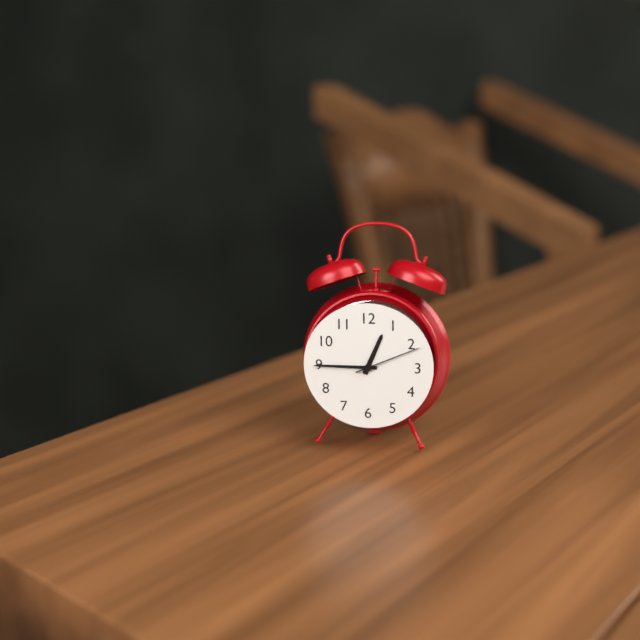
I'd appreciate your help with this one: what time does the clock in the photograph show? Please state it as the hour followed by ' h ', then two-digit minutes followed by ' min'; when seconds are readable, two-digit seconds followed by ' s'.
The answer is 12 h 45 min 11 s
